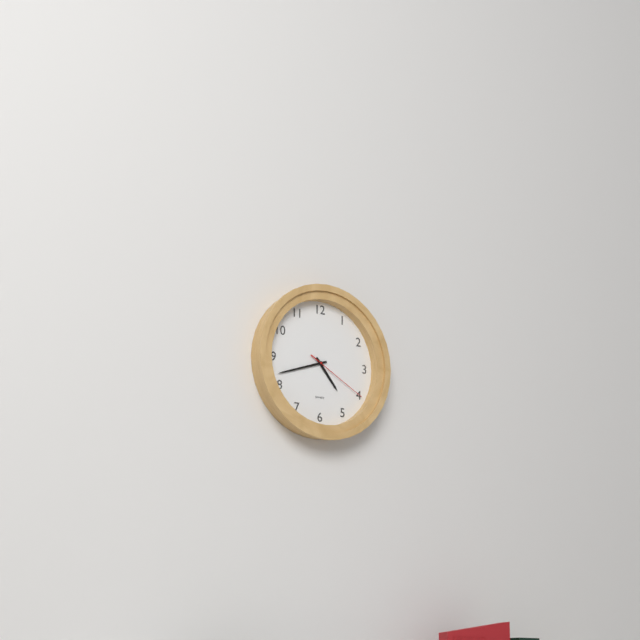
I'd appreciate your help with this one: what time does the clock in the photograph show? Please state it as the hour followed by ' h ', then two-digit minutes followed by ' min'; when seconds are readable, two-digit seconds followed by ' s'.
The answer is 4 h 42 min 20 s
